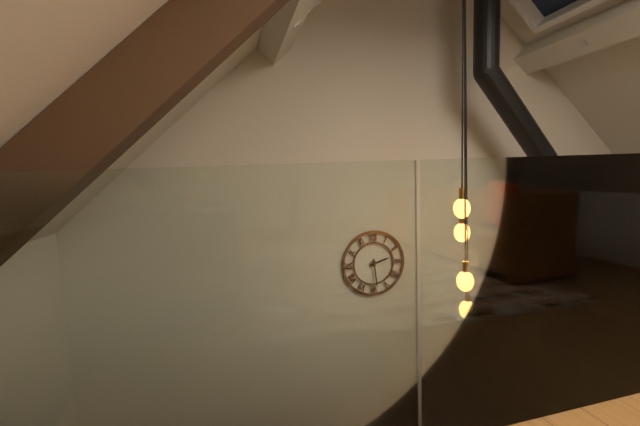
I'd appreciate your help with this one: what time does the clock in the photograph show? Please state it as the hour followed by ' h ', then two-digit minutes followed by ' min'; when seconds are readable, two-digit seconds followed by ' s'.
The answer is 2 h 29 min
